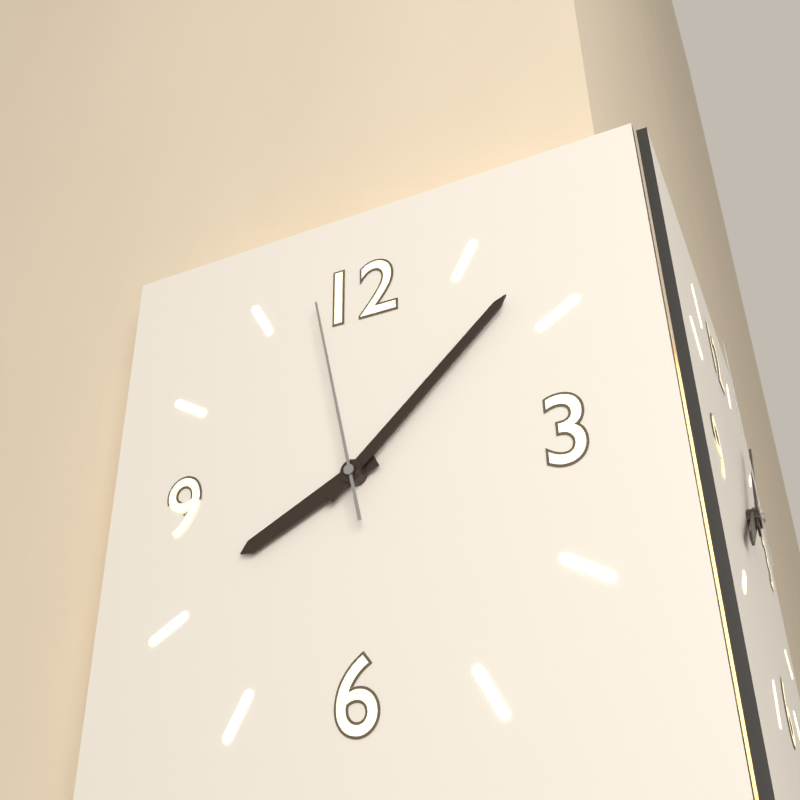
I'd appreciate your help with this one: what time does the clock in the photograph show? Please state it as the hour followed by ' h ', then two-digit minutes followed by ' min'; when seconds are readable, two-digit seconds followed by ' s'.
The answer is 8 h 08 min 58 s
